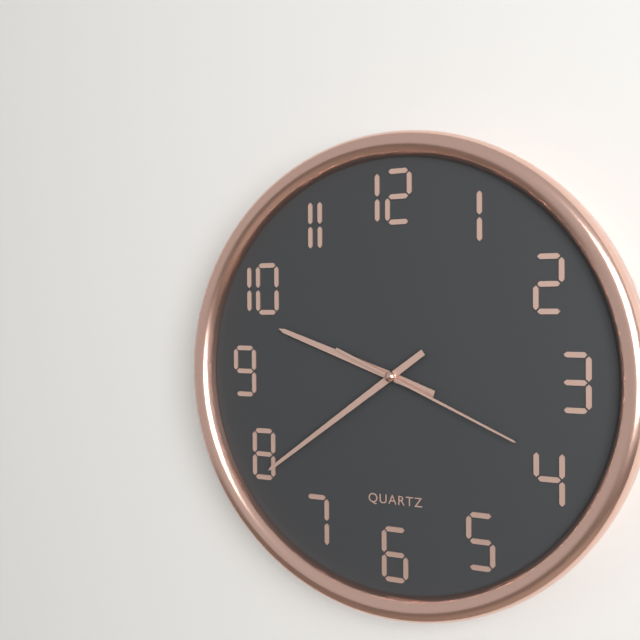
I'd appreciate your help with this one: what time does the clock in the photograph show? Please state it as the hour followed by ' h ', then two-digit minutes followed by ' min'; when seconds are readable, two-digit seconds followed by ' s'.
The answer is 9 h 39 min 19 s
